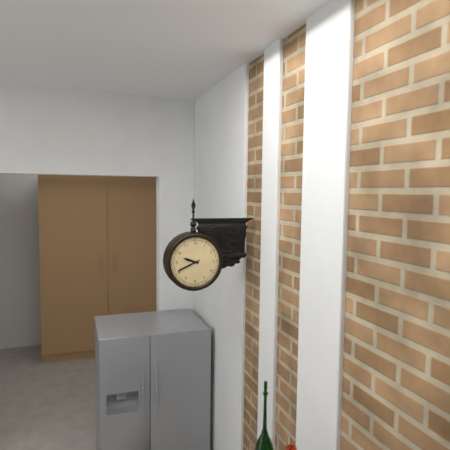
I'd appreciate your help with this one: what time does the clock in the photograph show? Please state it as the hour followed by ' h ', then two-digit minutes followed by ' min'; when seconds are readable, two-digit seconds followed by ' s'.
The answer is 9 h 41 min
